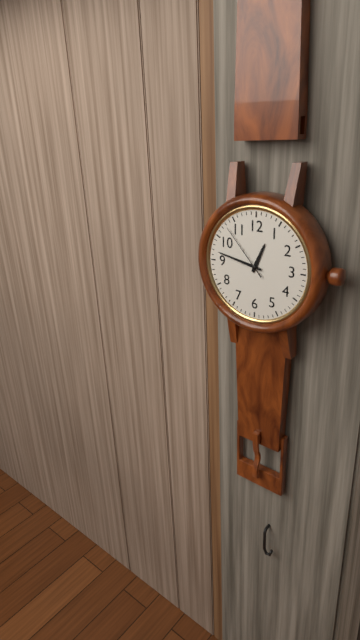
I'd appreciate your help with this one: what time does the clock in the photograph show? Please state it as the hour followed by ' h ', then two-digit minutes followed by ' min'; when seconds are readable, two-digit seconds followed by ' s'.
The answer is 12 h 47 min 53 s
